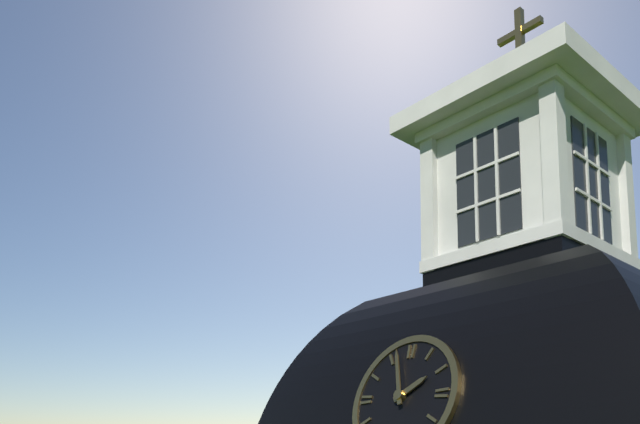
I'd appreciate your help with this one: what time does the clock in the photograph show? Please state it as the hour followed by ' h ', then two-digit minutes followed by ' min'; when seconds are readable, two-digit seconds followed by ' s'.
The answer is 1 h 57 min
